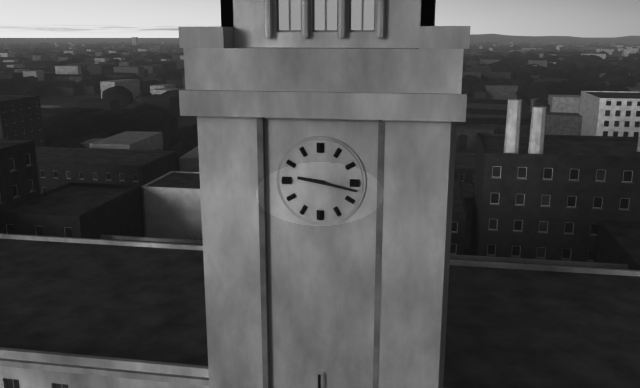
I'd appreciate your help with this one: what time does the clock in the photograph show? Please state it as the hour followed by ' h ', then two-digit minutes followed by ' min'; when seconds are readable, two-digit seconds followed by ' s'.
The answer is 9 h 17 min
